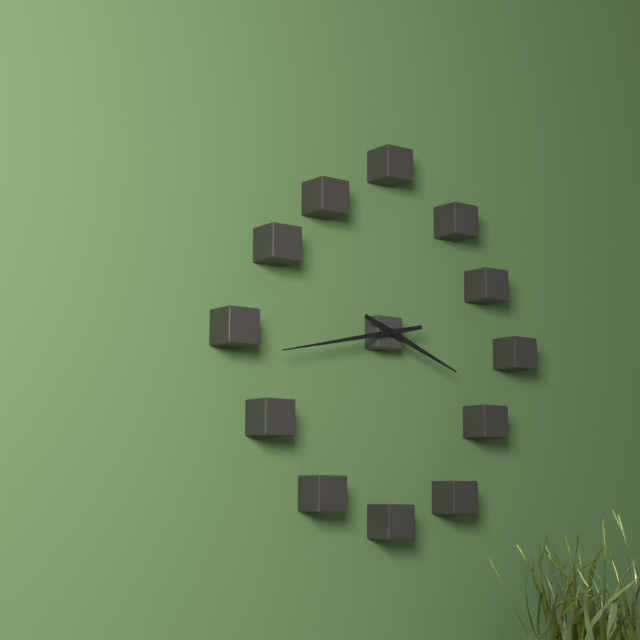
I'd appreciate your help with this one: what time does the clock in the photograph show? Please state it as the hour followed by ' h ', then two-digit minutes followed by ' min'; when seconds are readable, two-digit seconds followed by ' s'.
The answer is 3 h 43 min
